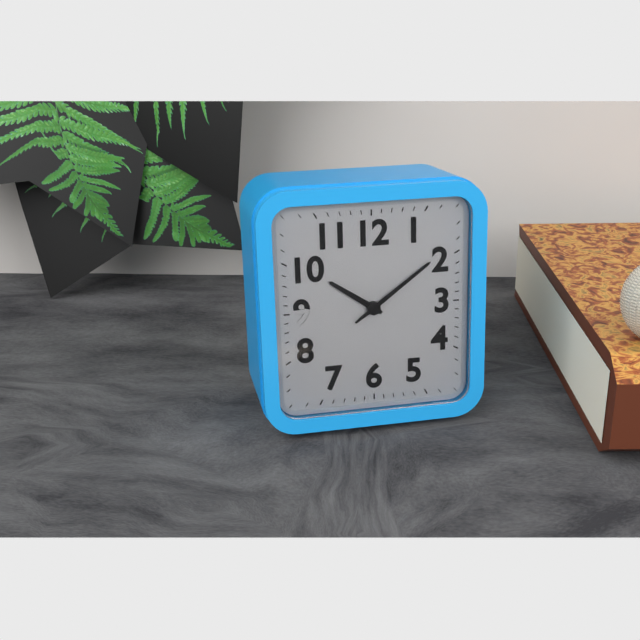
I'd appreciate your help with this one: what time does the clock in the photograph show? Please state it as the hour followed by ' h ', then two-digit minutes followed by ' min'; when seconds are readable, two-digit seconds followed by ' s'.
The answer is 10 h 09 min
